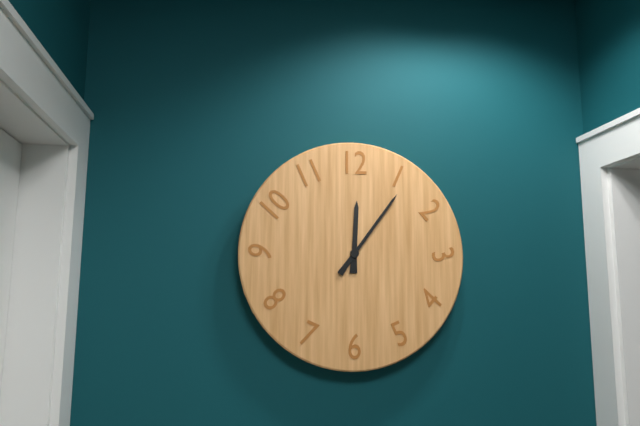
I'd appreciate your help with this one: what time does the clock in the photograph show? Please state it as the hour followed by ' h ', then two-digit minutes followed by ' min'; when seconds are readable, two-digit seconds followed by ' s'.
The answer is 12 h 06 min
